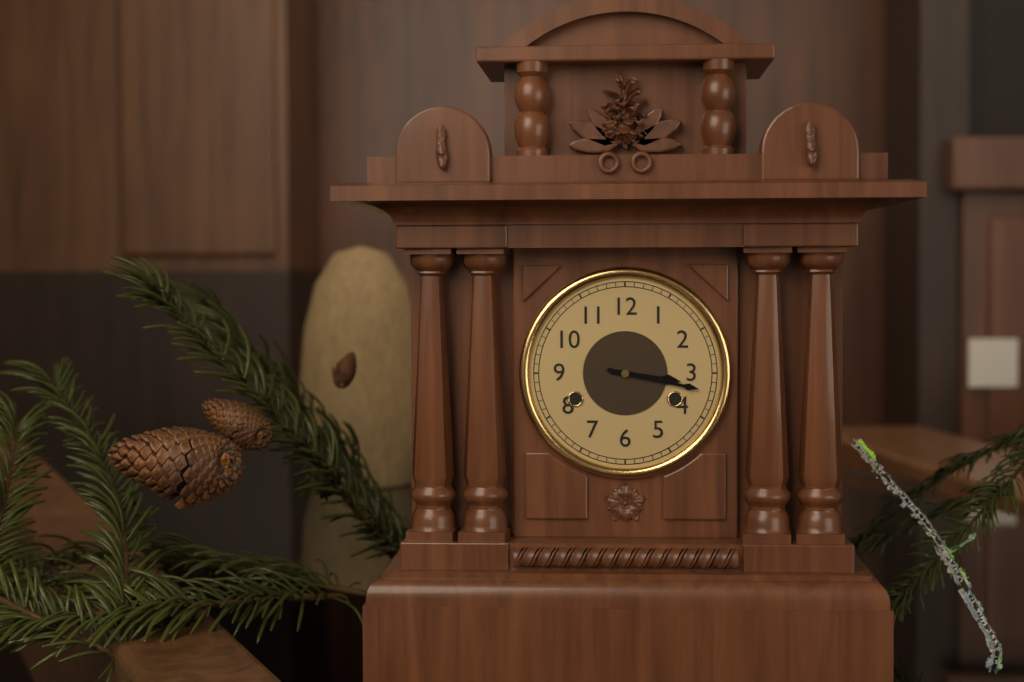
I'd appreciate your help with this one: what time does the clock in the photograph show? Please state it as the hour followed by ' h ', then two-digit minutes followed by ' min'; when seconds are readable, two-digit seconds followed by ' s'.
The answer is 3 h 17 min
